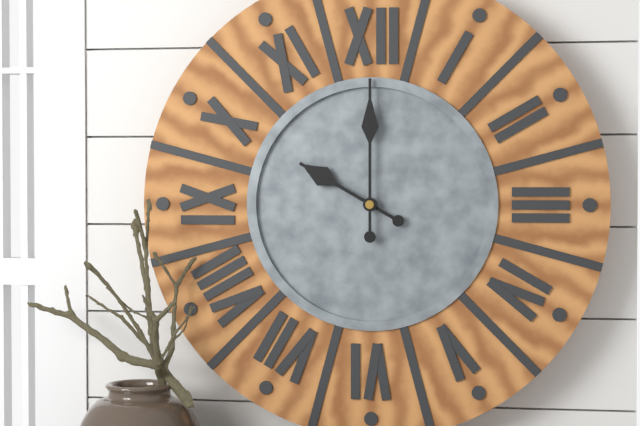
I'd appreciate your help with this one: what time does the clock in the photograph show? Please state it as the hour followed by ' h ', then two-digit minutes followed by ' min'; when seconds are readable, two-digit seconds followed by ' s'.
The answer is 10 h 00 min
